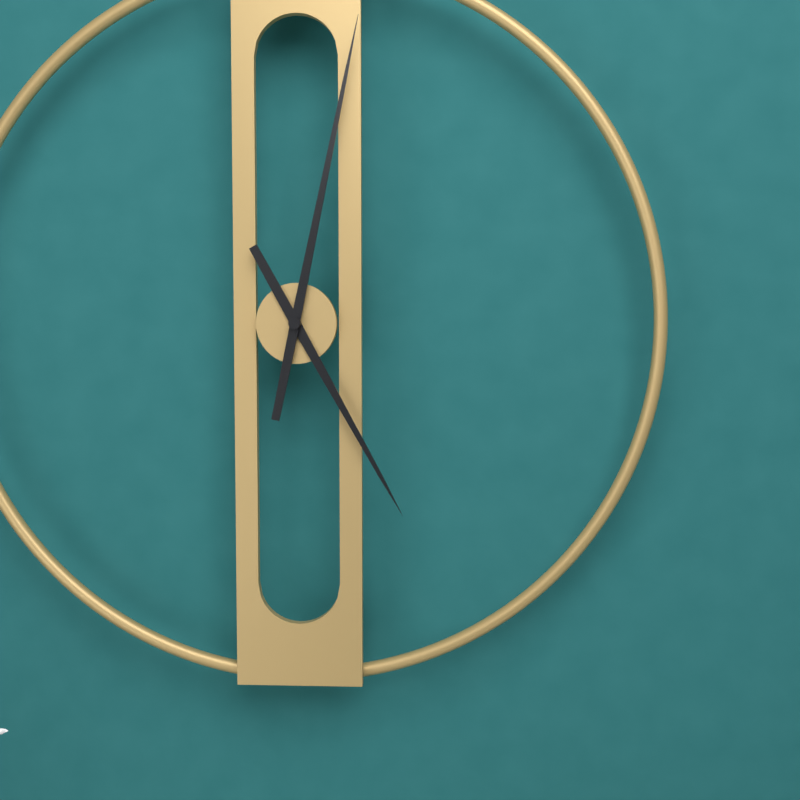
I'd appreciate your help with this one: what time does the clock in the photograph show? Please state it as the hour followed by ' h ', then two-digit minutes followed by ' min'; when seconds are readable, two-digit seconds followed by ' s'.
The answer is 5 h 02 min
